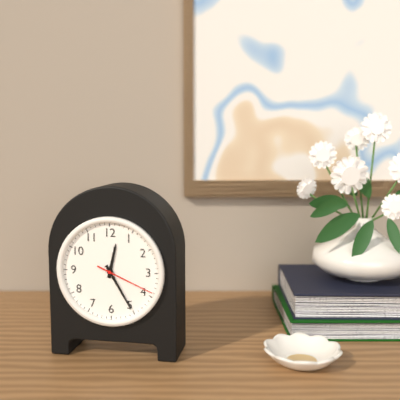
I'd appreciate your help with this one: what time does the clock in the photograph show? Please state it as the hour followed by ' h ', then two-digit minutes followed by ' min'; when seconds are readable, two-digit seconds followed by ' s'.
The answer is 12 h 25 min 19 s
